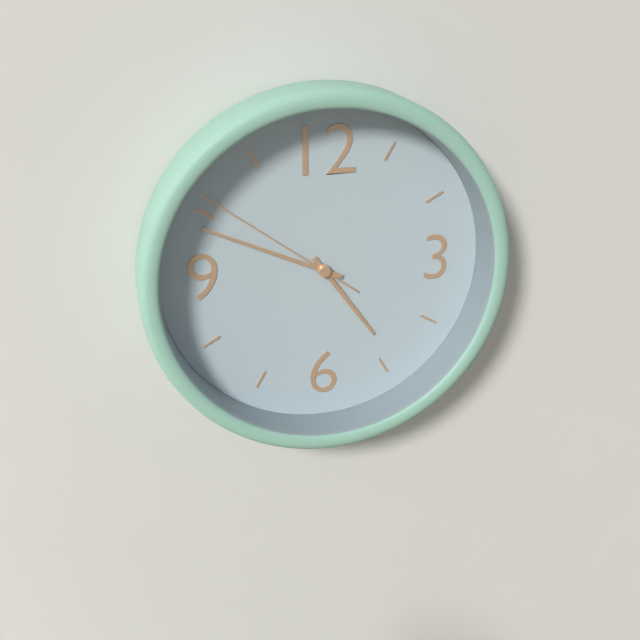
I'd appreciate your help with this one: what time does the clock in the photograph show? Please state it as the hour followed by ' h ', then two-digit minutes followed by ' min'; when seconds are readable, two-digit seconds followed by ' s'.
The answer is 4 h 49 min 51 s
